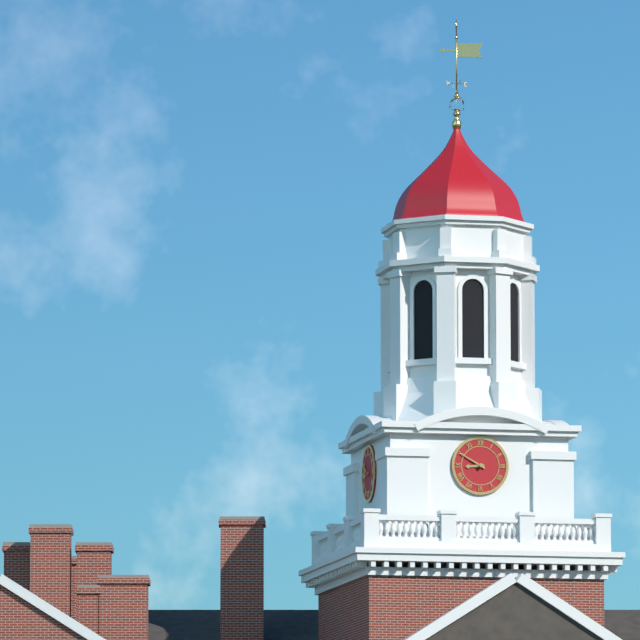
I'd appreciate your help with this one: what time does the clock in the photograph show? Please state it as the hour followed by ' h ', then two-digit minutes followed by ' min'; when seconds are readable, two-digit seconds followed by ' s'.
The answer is 8 h 50 min
